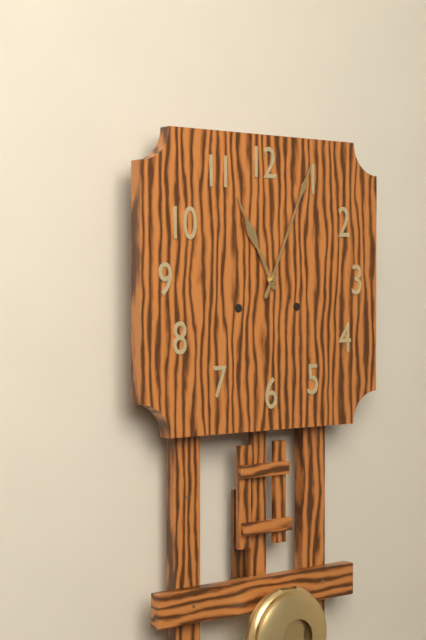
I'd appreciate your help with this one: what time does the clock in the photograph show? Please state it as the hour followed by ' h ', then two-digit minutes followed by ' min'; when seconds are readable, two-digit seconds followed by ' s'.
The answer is 11 h 04 min
